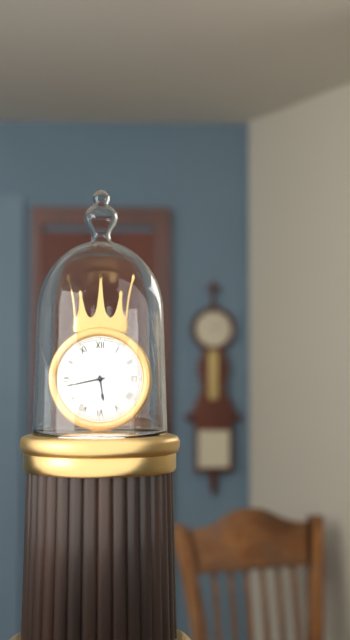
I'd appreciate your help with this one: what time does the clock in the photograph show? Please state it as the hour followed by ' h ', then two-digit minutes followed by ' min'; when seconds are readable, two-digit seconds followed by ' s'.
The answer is 5 h 43 min
